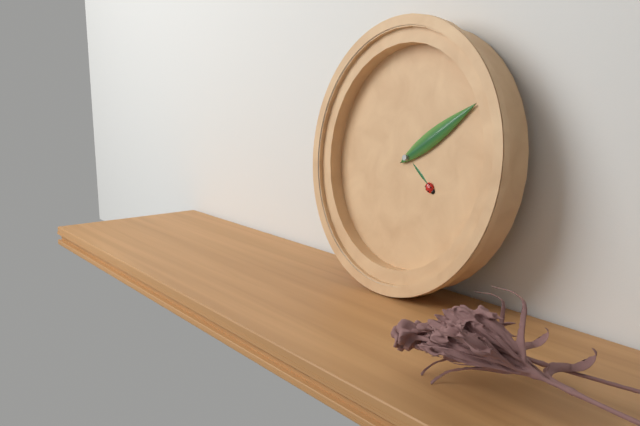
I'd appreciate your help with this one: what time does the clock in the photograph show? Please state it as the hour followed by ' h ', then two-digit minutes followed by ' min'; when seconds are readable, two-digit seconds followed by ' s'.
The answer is 4 h 09 min
